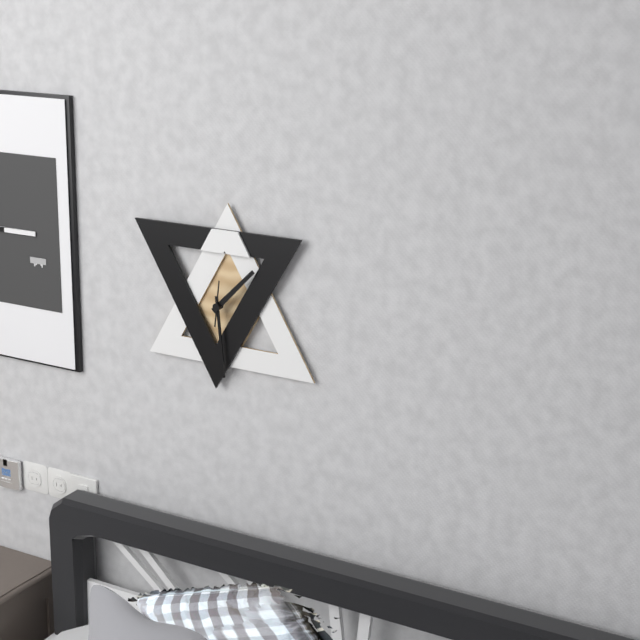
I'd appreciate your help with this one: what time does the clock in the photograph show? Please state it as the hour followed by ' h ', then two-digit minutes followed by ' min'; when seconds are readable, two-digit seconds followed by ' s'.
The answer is 1 h 29 min
